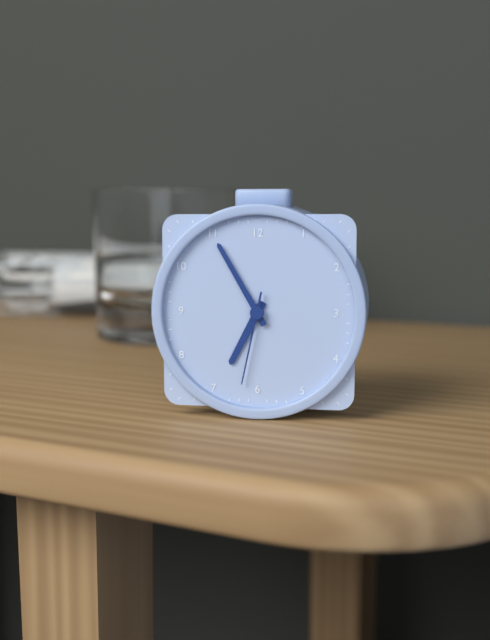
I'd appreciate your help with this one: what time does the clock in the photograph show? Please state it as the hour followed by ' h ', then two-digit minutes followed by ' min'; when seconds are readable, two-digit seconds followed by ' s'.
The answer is 6 h 55 min 32 s
